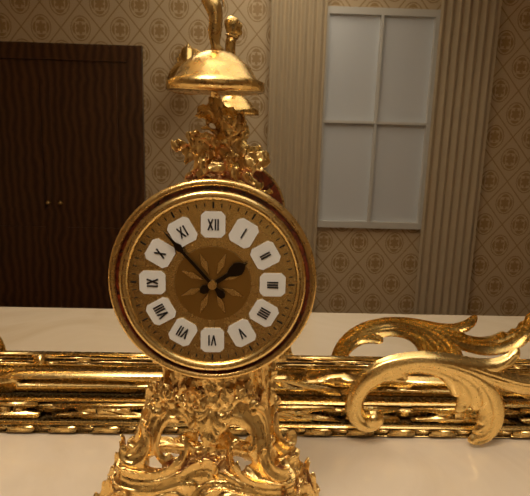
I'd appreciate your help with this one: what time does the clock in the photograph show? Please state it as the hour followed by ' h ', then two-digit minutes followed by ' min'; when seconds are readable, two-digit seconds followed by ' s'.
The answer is 1 h 53 min
